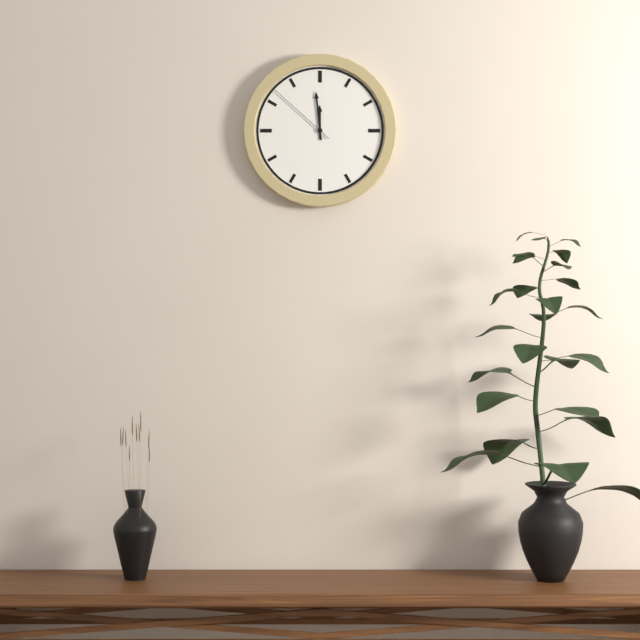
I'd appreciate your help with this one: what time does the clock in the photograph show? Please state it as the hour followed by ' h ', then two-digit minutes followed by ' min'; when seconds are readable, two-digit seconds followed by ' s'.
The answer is 11 h 59 min 52 s
